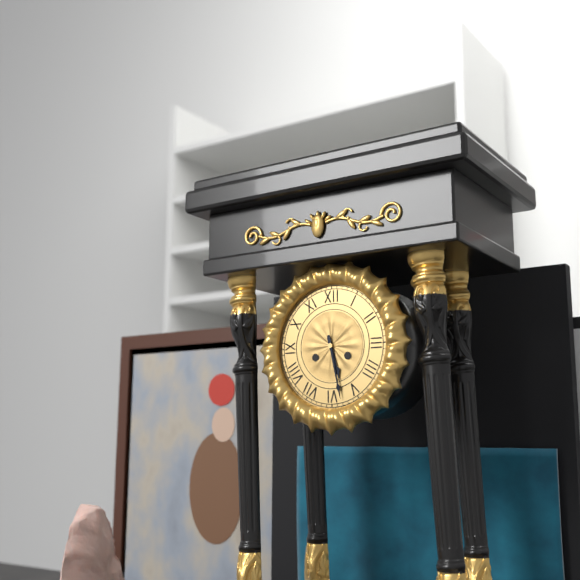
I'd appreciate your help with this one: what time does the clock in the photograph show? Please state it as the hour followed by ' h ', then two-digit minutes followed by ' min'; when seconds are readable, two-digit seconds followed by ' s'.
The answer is 5 h 28 min
